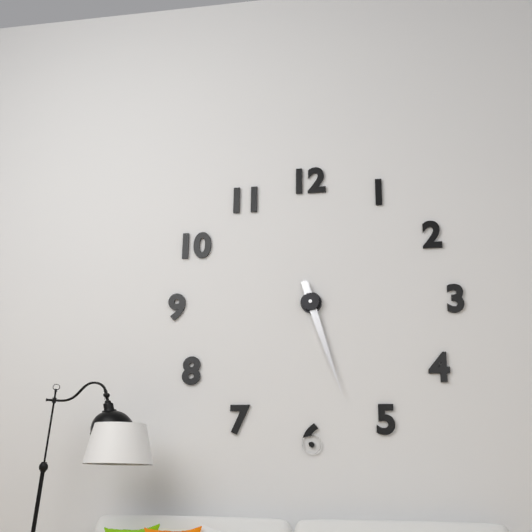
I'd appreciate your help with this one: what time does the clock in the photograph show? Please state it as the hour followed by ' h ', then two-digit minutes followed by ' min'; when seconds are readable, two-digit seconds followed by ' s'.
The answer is 5 h 27 min
